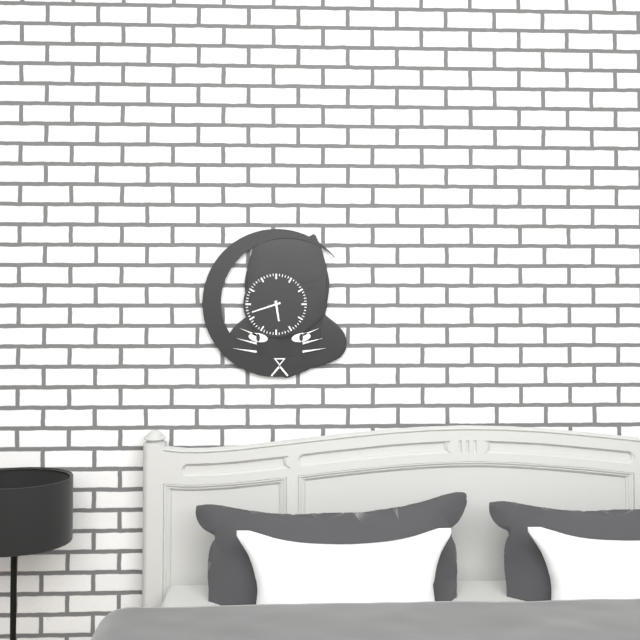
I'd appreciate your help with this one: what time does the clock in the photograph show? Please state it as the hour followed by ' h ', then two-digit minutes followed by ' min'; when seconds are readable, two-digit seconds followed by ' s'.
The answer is 5 h 42 min
